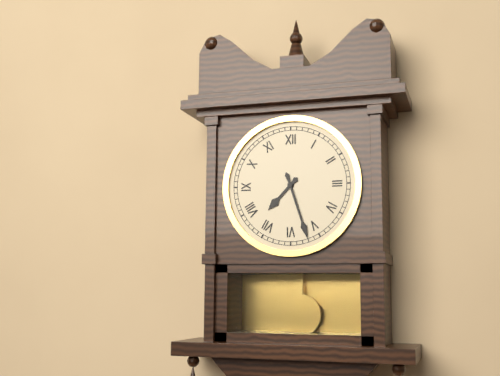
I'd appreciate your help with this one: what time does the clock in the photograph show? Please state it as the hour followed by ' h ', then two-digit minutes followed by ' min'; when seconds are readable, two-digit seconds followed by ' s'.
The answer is 7 h 27 min
